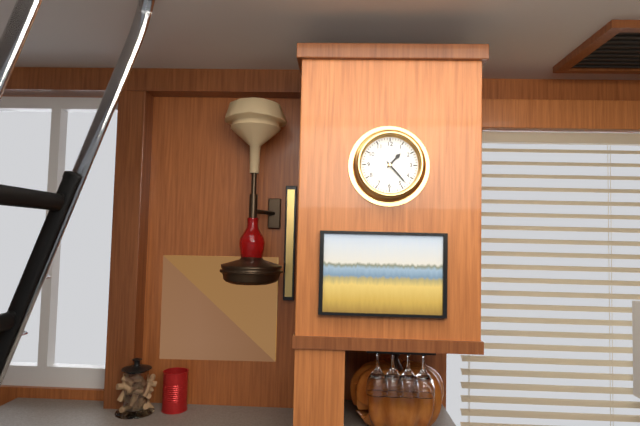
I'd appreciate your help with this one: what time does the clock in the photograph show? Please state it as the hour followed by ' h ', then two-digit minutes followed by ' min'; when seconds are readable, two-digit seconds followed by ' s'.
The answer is 1 h 23 min
